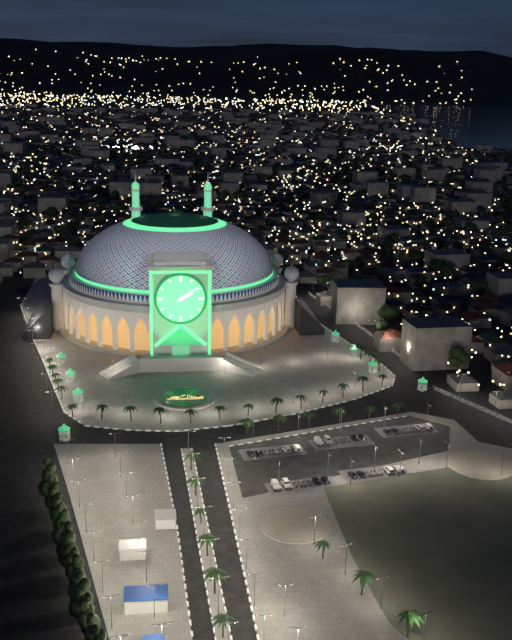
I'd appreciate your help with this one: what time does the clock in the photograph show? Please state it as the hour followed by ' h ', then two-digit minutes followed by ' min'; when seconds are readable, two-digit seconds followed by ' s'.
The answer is 2 h 09 min
